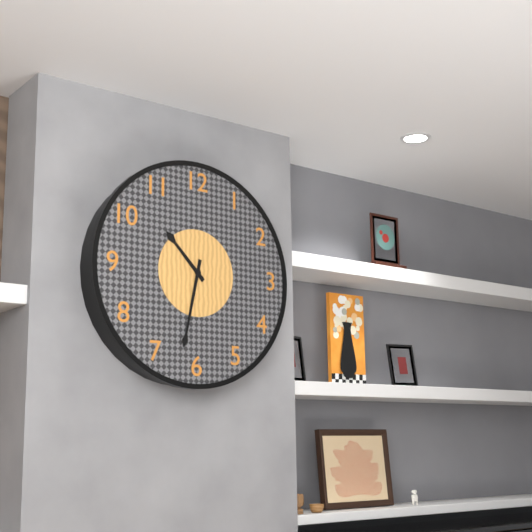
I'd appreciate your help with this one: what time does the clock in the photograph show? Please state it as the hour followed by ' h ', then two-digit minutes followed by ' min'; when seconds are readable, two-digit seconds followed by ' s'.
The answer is 10 h 32 min
